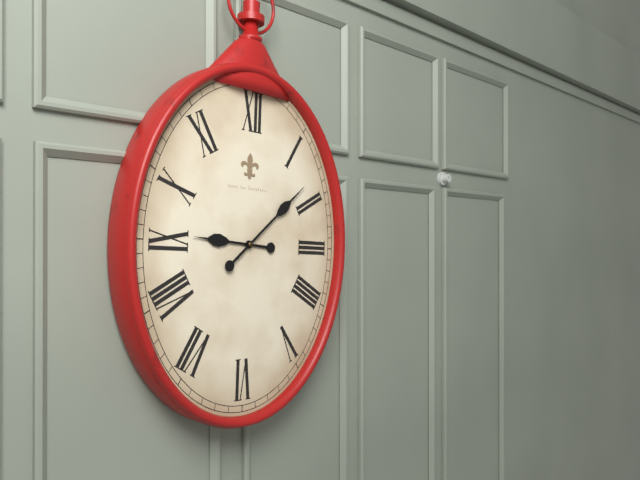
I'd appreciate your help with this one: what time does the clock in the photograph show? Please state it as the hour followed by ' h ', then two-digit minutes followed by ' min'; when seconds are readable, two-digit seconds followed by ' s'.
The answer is 9 h 08 min
